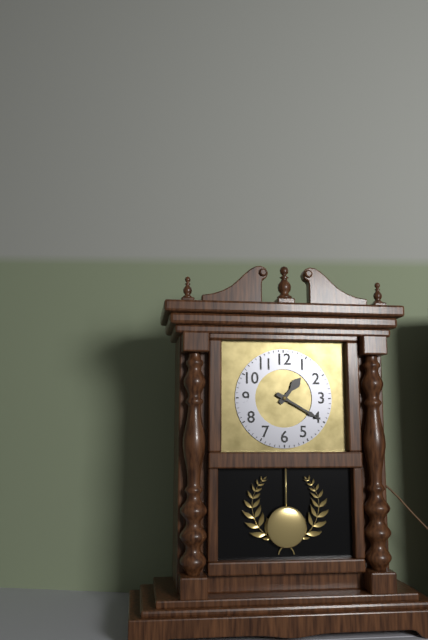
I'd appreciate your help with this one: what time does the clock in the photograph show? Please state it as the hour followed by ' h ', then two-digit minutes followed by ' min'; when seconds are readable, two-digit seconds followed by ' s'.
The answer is 1 h 20 min
